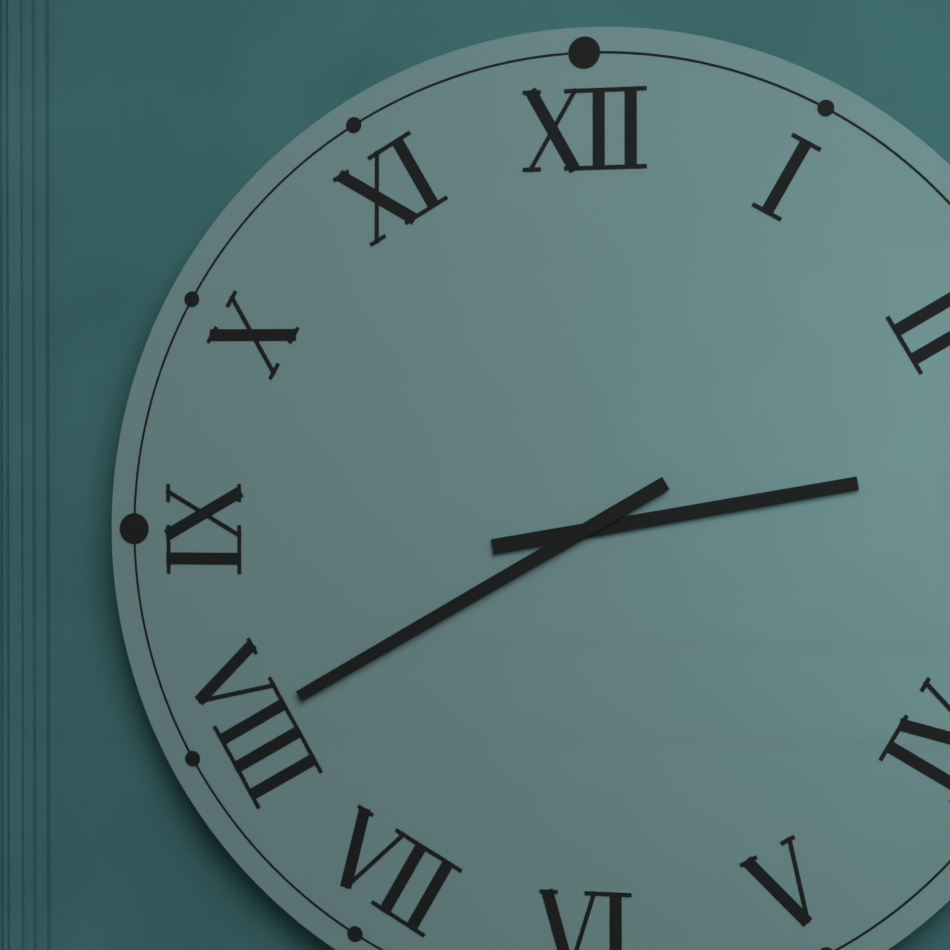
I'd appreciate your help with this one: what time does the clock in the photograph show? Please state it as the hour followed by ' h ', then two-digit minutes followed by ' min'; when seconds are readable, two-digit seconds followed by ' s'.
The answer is 2 h 40 min
